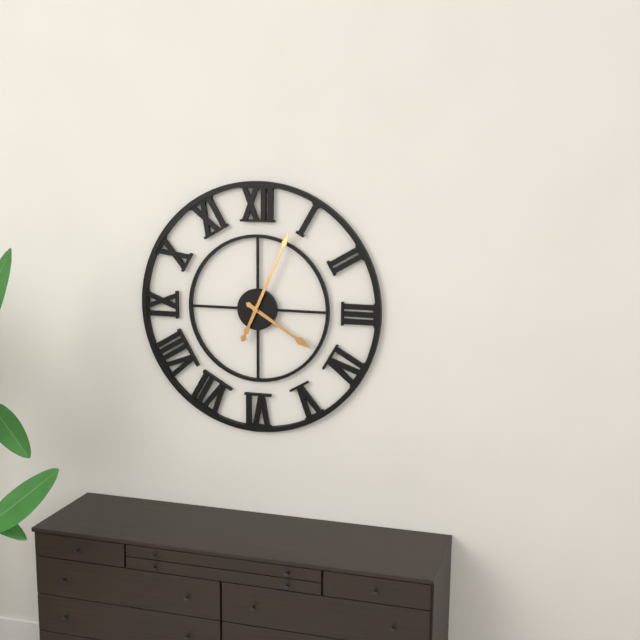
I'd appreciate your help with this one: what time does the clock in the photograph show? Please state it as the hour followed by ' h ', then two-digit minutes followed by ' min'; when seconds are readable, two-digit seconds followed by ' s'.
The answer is 4 h 04 min
